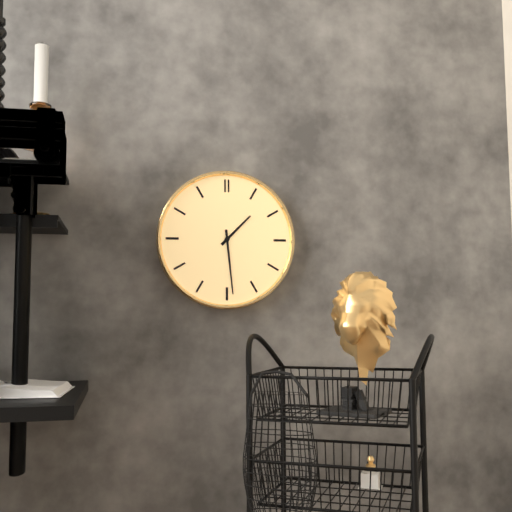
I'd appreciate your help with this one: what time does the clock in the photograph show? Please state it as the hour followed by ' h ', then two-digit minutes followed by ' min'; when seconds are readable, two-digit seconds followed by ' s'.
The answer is 1 h 29 min
